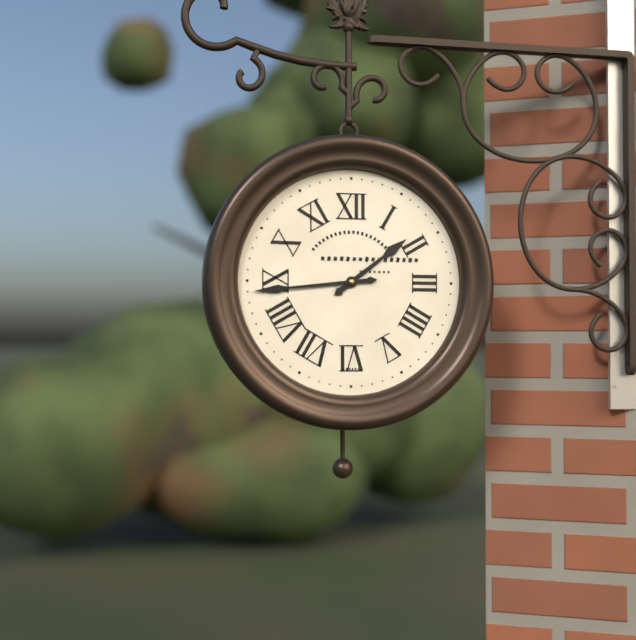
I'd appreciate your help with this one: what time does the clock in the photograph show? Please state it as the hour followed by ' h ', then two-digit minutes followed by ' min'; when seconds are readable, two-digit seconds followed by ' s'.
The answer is 1 h 44 min
